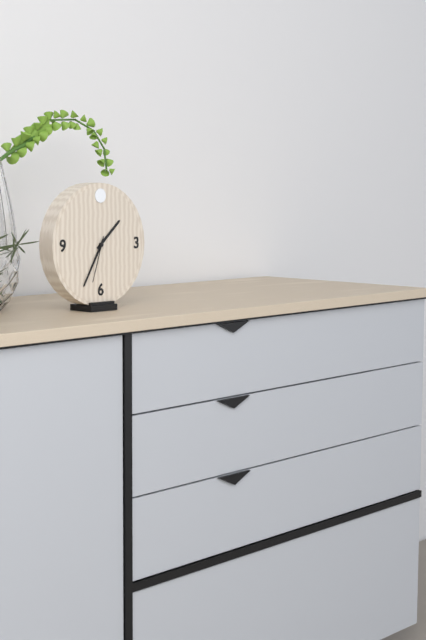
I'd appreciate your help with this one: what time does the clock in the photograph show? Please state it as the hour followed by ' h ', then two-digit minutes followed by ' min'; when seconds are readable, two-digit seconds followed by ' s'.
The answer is 1 h 35 min
